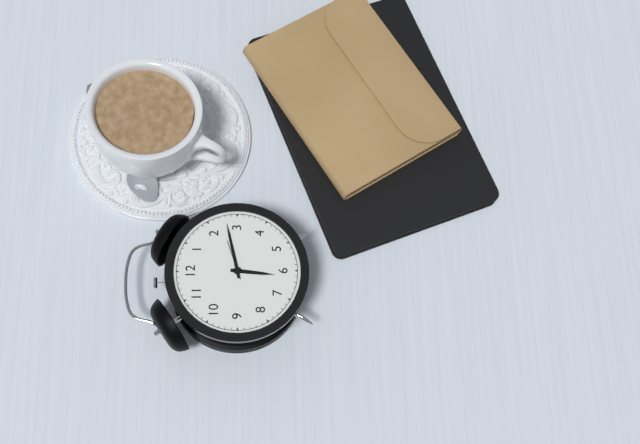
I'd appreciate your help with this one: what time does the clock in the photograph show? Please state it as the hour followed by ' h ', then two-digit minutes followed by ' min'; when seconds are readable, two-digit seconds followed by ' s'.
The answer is 6 h 13 min
